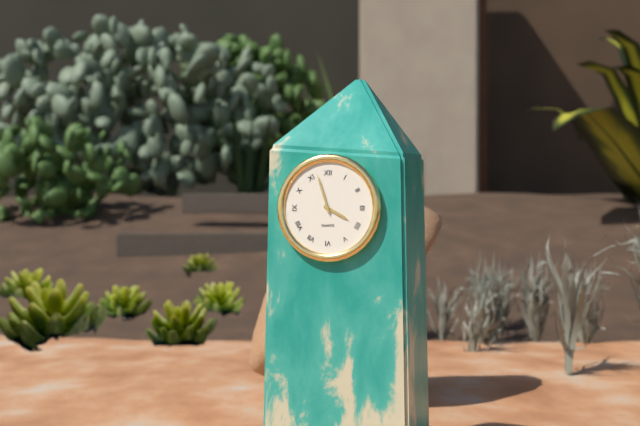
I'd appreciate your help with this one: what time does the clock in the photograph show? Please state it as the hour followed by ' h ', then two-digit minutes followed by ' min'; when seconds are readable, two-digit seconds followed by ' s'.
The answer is 3 h 57 min
